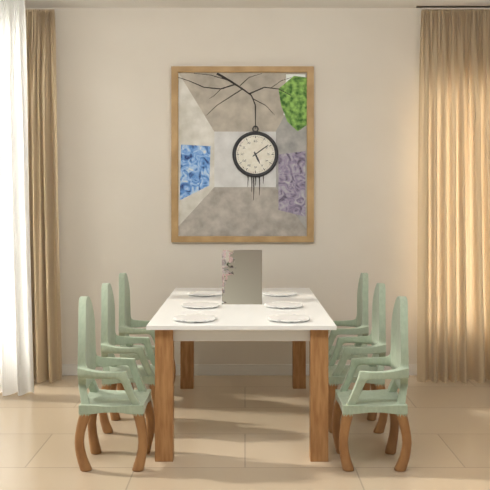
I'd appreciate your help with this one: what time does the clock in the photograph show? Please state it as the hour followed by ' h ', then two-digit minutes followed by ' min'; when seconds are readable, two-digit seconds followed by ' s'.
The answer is 5 h 09 min
